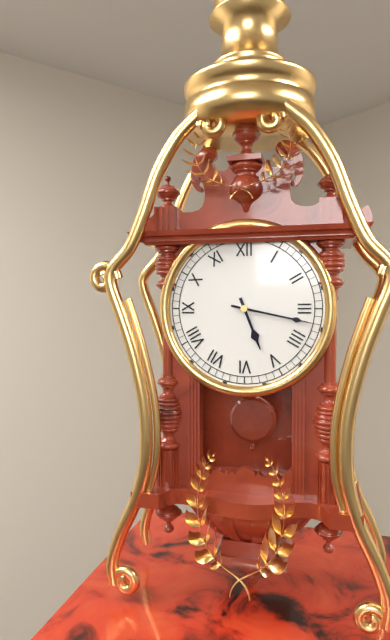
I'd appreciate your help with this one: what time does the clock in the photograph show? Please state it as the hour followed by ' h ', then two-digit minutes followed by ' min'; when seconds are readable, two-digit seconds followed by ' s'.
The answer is 5 h 17 min
